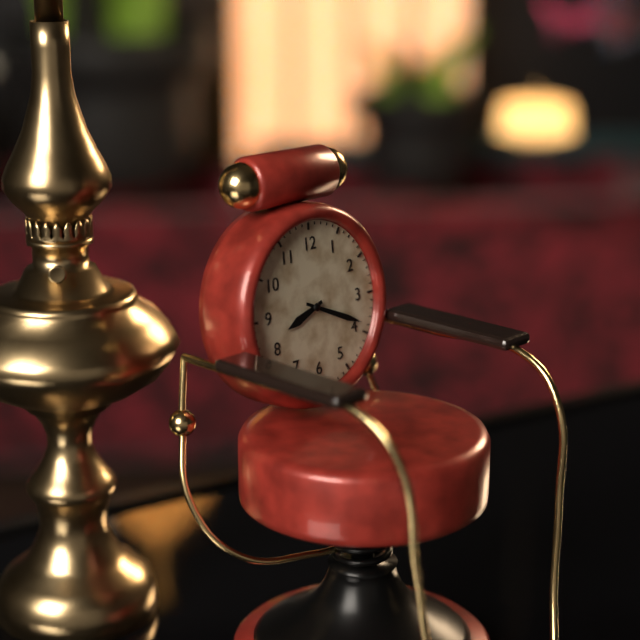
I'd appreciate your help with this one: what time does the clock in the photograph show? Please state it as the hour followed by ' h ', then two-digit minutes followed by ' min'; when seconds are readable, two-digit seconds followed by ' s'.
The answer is 8 h 19 min
